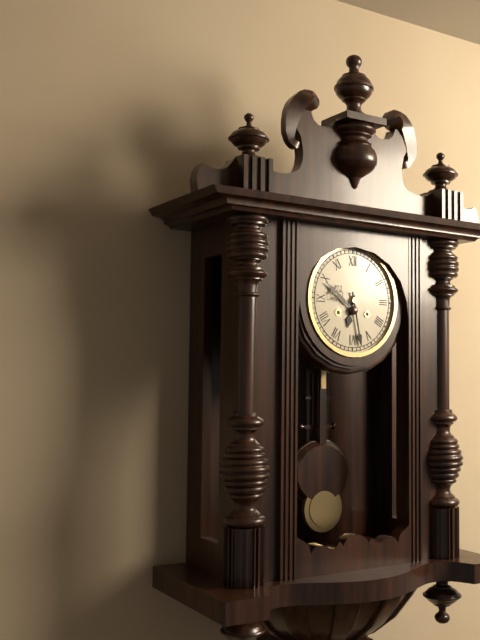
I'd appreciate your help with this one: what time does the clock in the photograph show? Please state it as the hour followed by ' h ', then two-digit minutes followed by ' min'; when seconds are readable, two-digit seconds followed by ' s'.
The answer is 6 h 28 min
